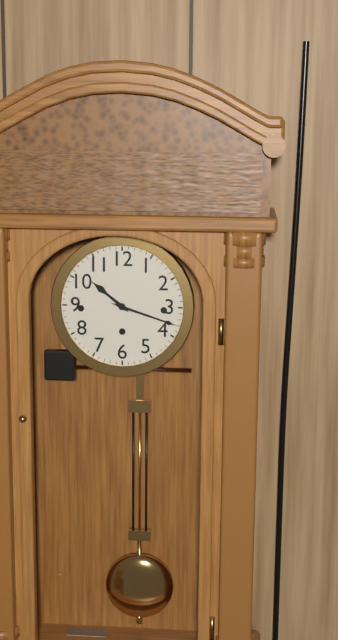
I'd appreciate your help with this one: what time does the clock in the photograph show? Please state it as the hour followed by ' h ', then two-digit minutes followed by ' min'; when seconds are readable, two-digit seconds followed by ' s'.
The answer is 10 h 18 min
